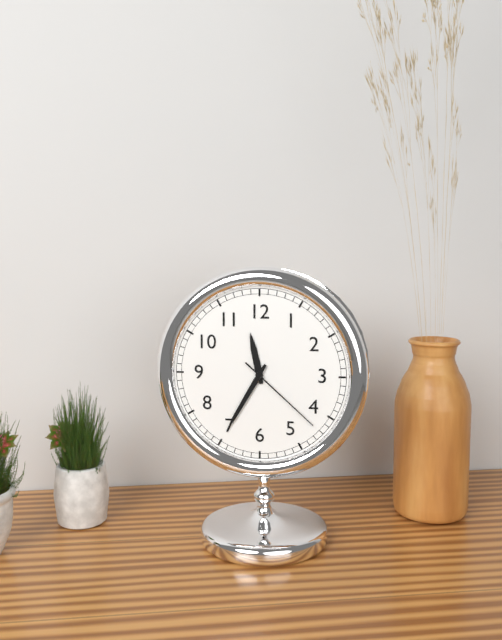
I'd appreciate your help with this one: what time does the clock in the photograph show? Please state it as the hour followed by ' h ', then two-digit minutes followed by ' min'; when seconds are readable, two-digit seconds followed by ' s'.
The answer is 11 h 35 min 22 s
